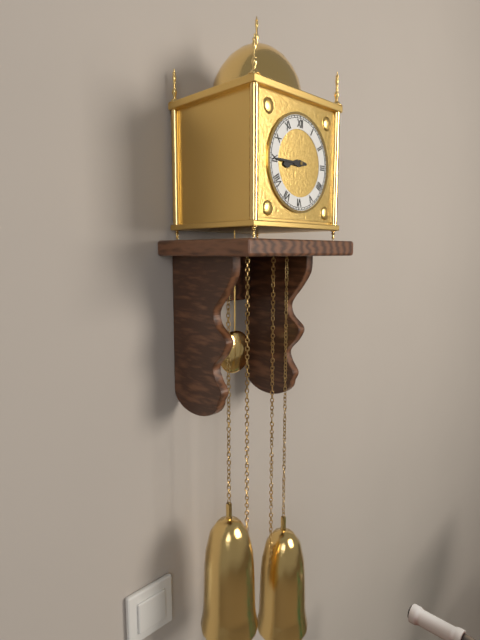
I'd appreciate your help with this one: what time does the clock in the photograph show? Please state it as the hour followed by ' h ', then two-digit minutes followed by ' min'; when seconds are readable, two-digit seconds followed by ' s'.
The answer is 8 h 45 min
